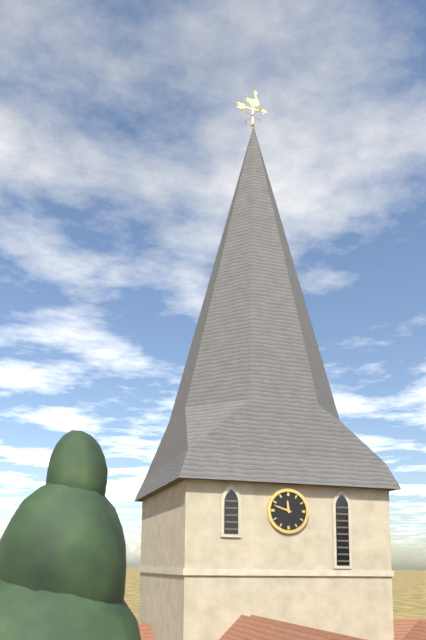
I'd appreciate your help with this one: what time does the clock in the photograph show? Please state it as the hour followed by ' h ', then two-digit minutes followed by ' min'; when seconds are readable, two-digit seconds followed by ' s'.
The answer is 11 h 48 min
